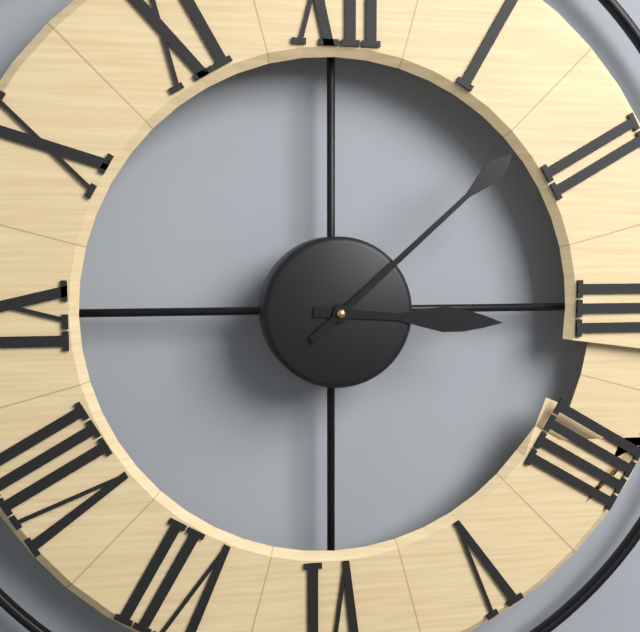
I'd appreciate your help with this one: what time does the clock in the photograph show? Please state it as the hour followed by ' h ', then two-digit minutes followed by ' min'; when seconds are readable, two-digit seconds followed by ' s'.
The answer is 3 h 08 min
